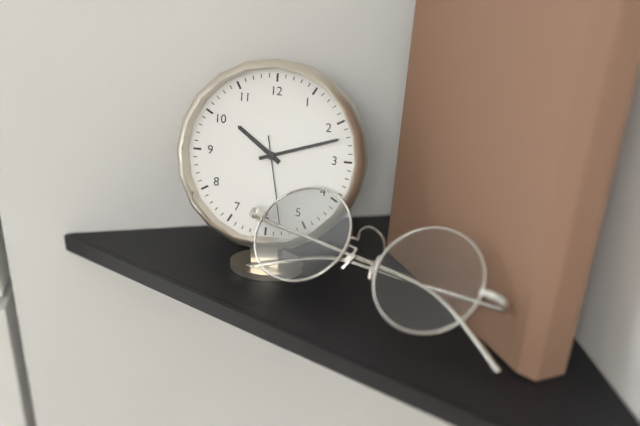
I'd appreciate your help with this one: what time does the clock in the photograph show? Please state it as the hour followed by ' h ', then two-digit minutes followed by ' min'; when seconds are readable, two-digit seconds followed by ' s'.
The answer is 10 h 12 min 28 s
